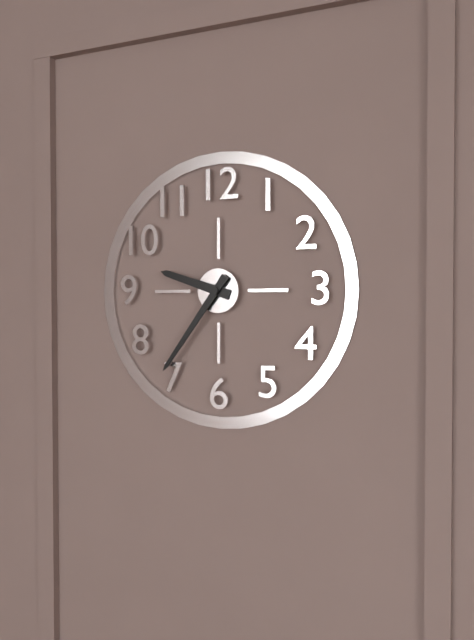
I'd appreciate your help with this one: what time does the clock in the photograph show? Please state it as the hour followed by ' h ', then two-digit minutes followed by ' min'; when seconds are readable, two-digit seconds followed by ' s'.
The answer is 9 h 36 min
